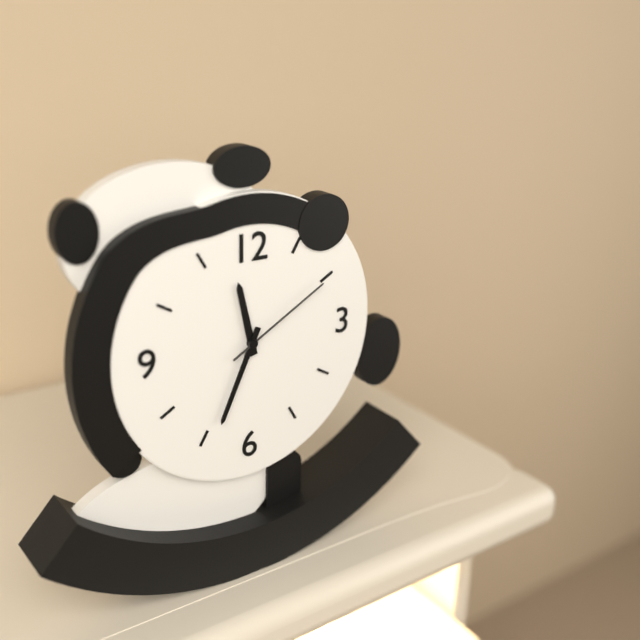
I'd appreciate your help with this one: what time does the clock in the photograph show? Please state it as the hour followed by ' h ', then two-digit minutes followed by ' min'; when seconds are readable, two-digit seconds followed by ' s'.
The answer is 11 h 34 min 10 s
